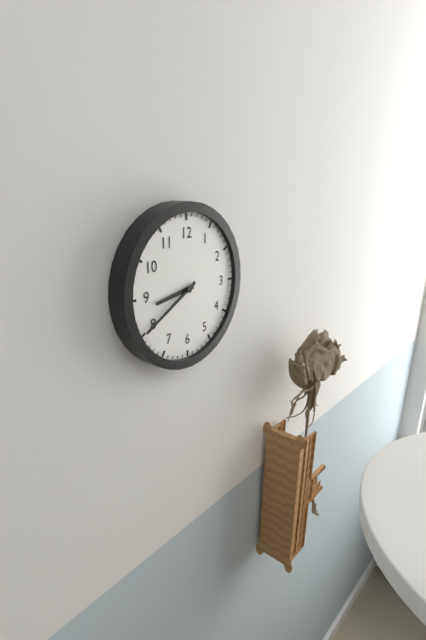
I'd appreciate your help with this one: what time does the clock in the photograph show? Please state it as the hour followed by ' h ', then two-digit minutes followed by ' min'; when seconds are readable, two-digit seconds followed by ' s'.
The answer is 8 h 40 min
